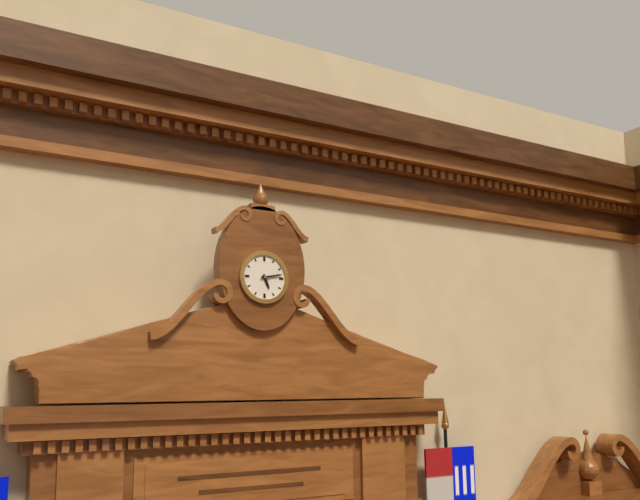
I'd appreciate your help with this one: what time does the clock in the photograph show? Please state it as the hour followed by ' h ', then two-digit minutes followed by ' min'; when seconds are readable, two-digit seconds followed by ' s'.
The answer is 5 h 13 min
